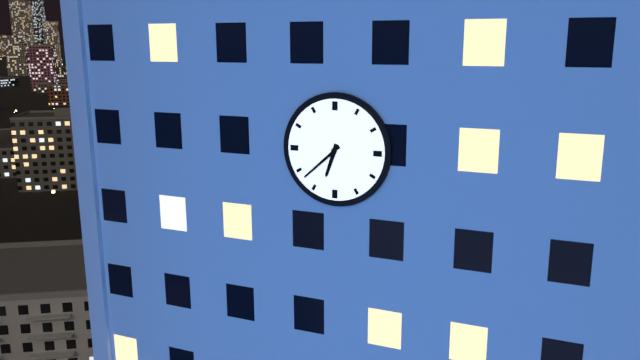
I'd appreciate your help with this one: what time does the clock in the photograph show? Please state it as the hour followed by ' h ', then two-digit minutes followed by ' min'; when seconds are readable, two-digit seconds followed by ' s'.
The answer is 6 h 38 min
